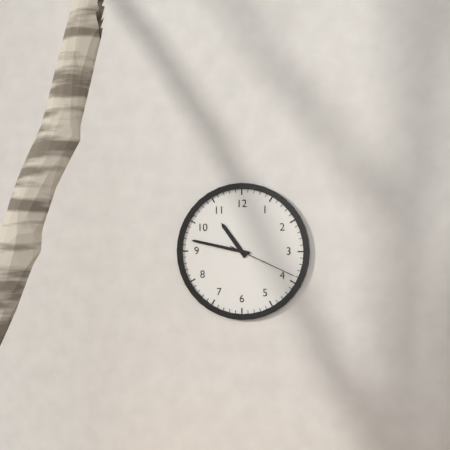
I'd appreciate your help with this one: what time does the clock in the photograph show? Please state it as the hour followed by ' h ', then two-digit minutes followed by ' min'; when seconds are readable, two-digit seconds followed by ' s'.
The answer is 10 h 47 min 19 s
